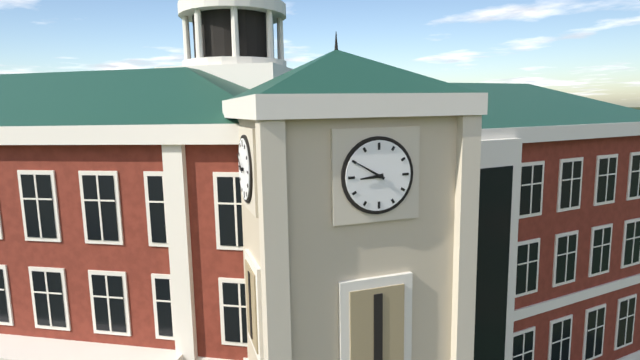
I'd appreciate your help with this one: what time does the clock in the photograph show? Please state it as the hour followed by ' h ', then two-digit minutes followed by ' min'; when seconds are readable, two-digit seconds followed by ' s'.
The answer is 8 h 50 min
